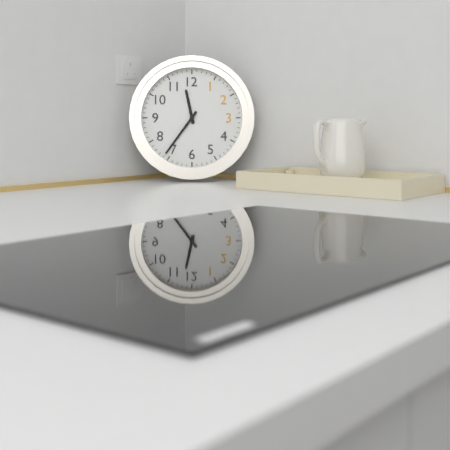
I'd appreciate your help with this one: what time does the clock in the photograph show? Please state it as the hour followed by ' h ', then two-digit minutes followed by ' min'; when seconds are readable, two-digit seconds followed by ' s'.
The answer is 11 h 36 min
